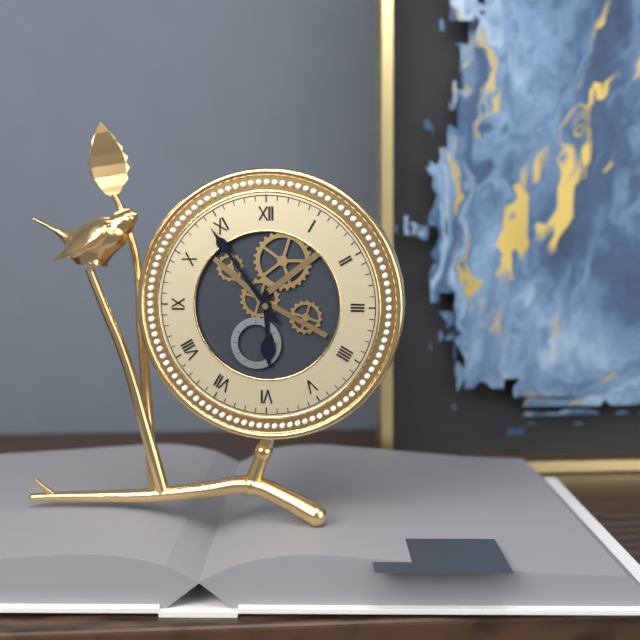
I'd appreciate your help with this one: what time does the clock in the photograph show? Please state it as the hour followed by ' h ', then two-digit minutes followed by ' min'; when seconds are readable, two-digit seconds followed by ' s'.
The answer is 5 h 54 min
